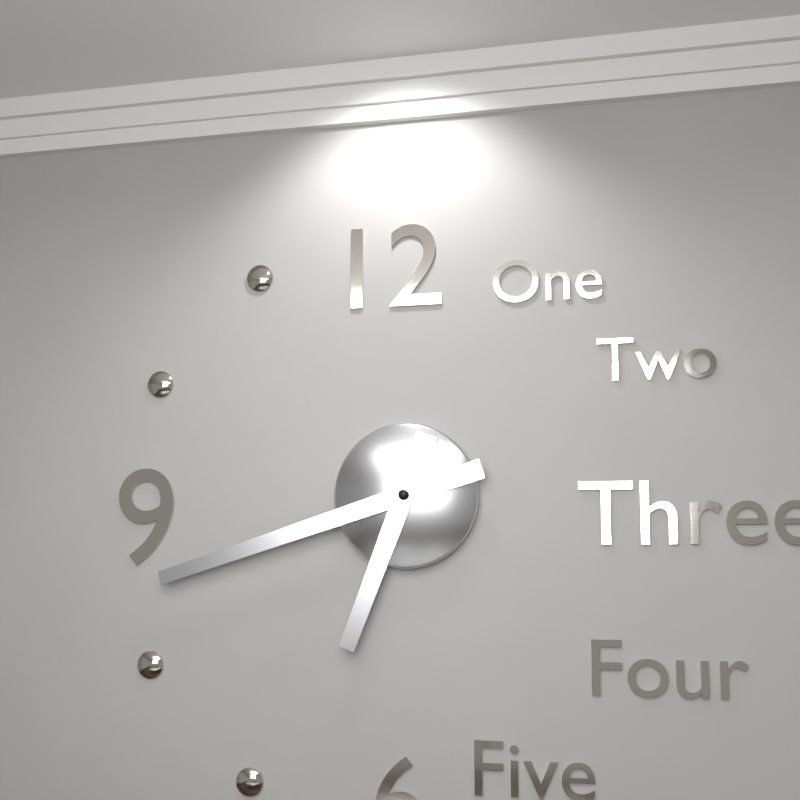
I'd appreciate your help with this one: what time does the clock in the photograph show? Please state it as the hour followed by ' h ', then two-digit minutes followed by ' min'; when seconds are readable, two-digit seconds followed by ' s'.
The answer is 6 h 42 min
